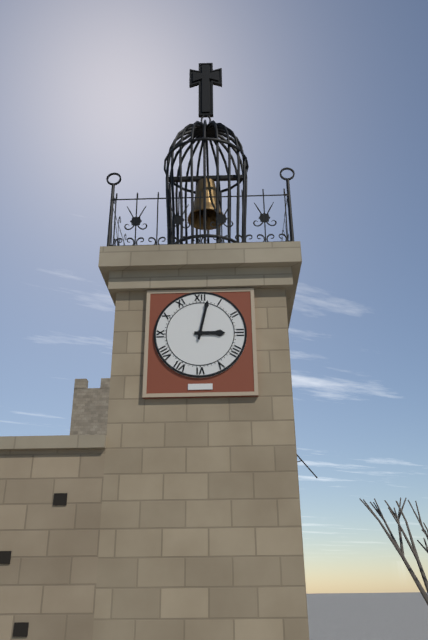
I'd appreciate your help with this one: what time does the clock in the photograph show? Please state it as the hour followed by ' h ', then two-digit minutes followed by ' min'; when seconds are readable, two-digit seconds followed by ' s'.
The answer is 3 h 02 min
